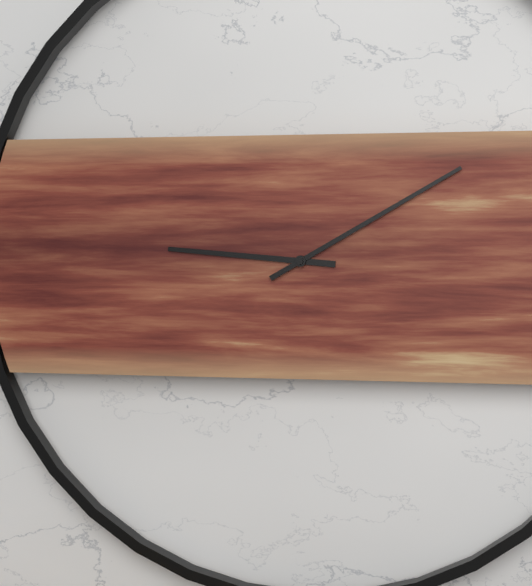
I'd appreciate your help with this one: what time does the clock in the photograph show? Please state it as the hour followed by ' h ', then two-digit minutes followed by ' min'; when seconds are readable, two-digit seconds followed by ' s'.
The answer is 9 h 10 min
